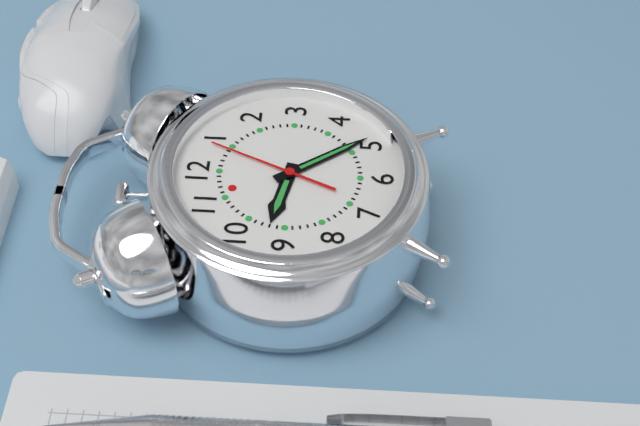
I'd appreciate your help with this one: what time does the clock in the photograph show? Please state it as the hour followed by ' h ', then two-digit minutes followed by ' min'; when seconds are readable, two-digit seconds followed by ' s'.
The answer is 9 h 24 min 04 s
